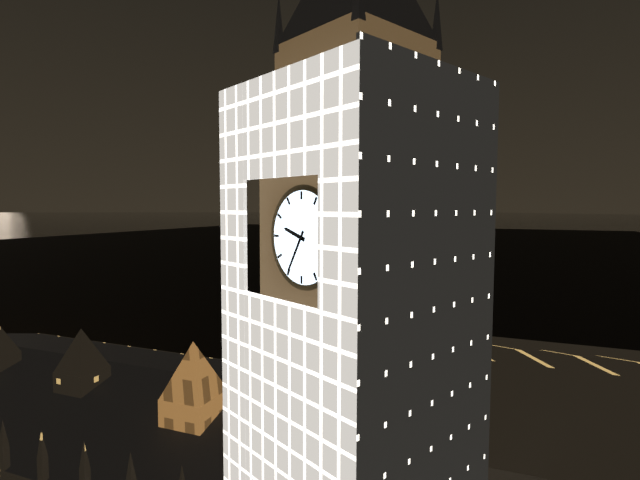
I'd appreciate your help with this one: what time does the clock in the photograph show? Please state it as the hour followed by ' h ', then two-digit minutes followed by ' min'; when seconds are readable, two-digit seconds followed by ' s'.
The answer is 9 h 35 min
